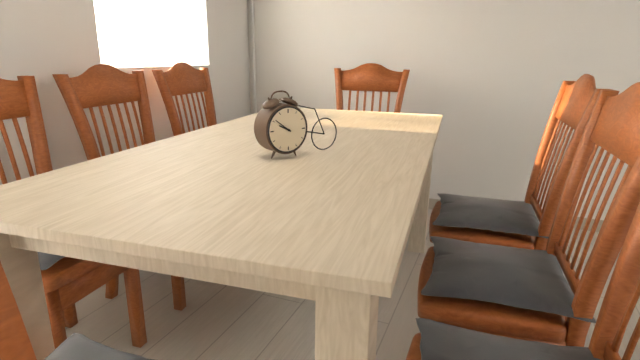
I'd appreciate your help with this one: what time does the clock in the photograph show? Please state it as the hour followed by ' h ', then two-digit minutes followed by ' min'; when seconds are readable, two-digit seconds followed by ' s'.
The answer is 9 h 51 min
